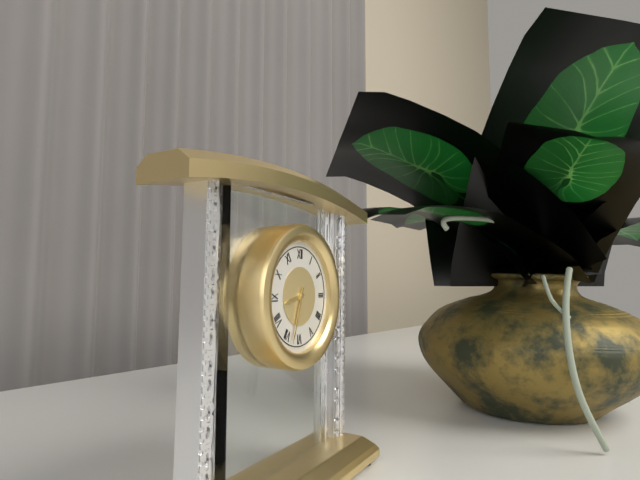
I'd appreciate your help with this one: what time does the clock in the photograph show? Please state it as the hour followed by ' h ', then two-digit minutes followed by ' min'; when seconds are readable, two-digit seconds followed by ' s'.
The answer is 8 h 33 min
